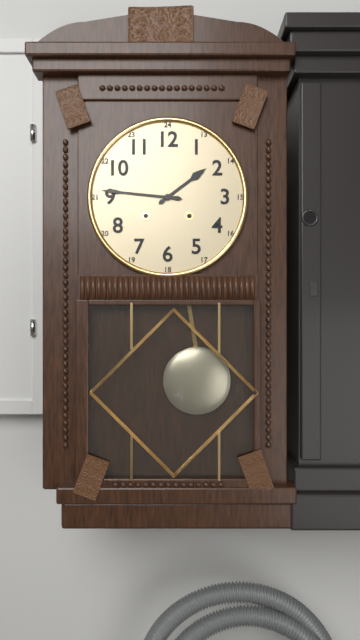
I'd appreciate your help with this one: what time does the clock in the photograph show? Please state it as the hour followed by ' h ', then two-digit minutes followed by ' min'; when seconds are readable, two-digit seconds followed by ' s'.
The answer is 1 h 46 min
